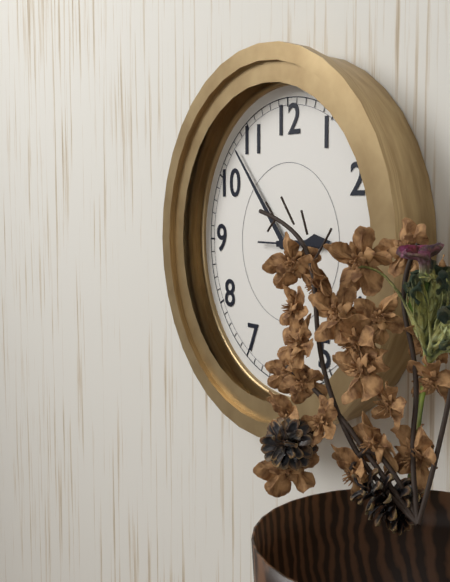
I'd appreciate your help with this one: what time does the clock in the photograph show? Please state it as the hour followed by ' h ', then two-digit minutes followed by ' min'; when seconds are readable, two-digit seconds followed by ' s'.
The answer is 2 h 53 min
